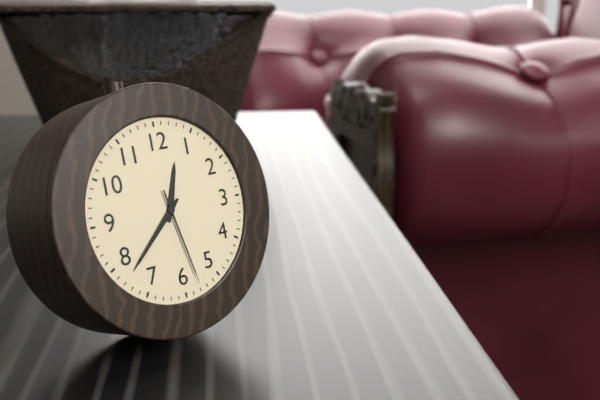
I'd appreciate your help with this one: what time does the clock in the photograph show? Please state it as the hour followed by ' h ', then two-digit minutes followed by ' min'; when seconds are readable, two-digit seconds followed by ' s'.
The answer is 12 h 38 min 28 s
